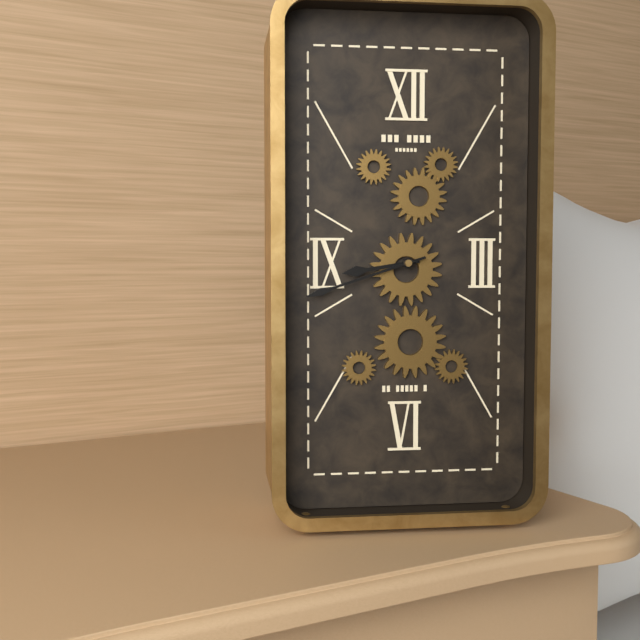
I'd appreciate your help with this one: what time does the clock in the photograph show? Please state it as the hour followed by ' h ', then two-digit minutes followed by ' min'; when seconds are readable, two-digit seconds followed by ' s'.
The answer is 8 h 42 min
